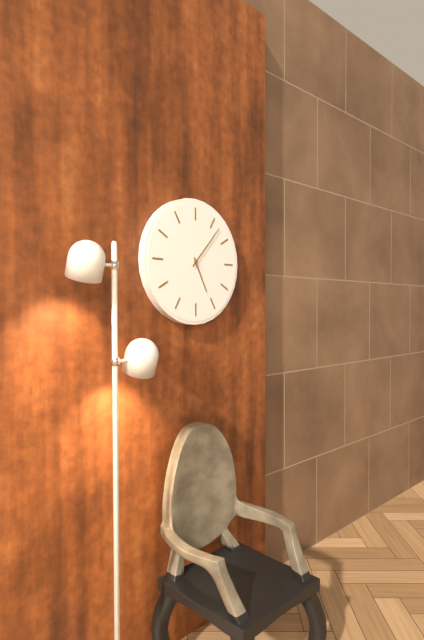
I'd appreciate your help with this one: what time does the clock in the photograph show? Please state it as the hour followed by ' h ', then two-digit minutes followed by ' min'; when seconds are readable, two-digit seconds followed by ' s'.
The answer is 5 h 07 min
